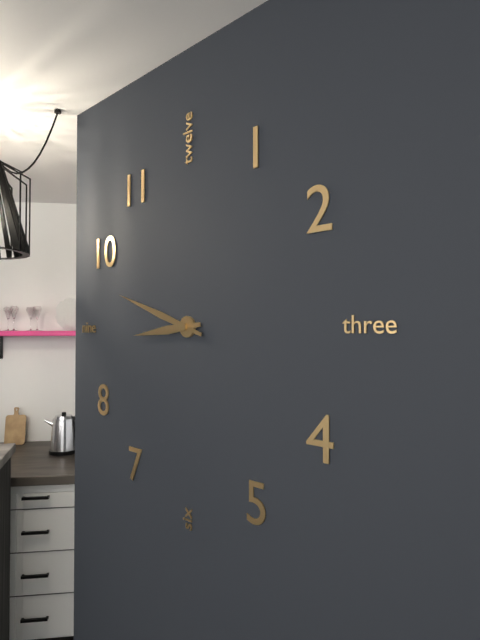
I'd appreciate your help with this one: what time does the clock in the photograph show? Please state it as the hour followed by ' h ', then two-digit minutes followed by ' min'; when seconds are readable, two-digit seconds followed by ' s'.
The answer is 8 h 48 min
